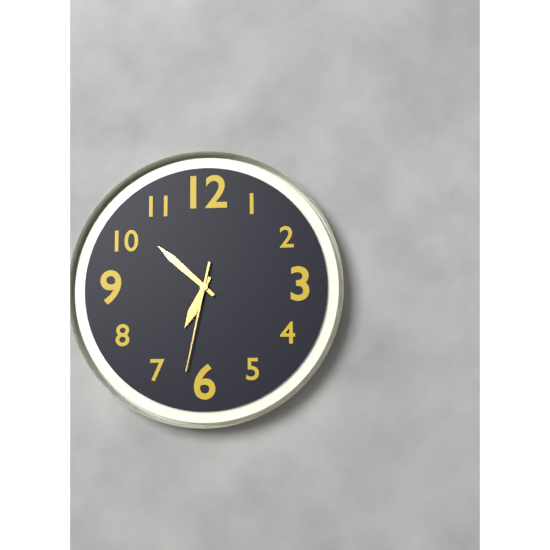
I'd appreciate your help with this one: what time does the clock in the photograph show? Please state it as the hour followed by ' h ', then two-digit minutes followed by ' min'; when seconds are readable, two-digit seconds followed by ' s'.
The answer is 6 h 52 min 32 s
